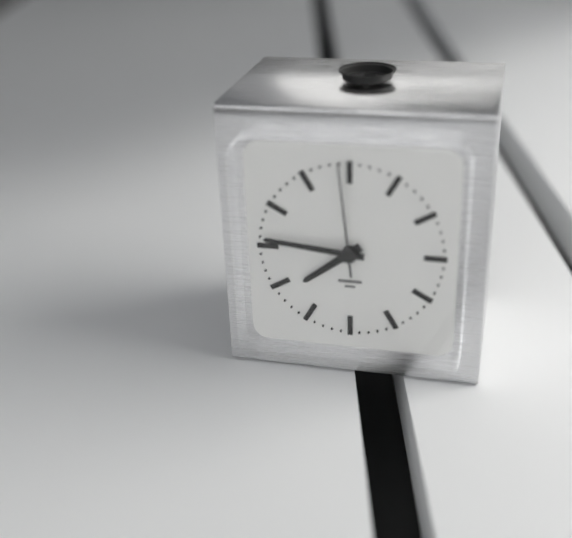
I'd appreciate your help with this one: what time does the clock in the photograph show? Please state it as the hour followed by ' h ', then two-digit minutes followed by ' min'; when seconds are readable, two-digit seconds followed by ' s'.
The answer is 7 h 46 min 59 s
